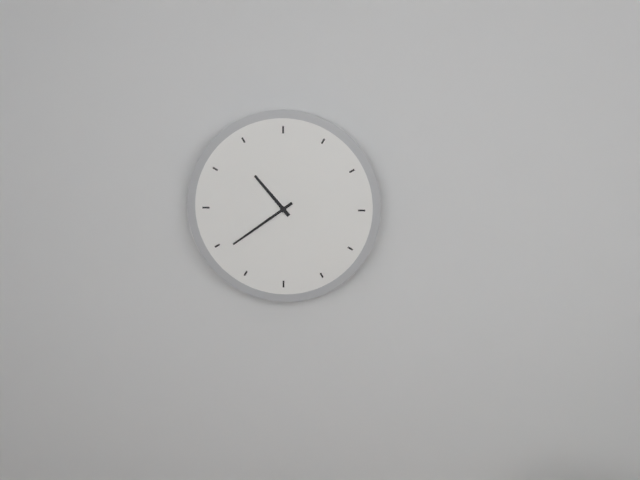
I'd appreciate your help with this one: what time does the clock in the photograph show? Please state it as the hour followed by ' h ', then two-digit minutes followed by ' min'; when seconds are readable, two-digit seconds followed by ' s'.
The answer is 10 h 39 min
